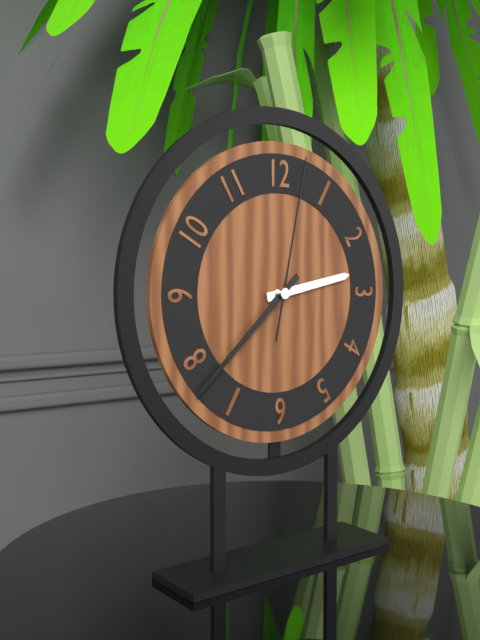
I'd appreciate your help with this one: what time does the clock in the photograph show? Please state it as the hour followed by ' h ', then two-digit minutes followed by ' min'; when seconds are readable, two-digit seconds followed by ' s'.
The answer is 2 h 38 min 02 s
